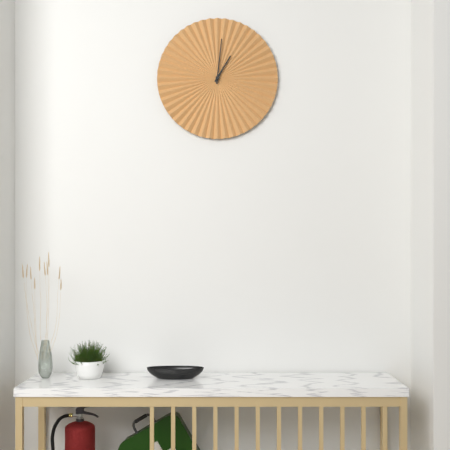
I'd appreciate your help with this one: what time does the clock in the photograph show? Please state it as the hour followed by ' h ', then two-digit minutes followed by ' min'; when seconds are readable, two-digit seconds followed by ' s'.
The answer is 1 h 01 min
